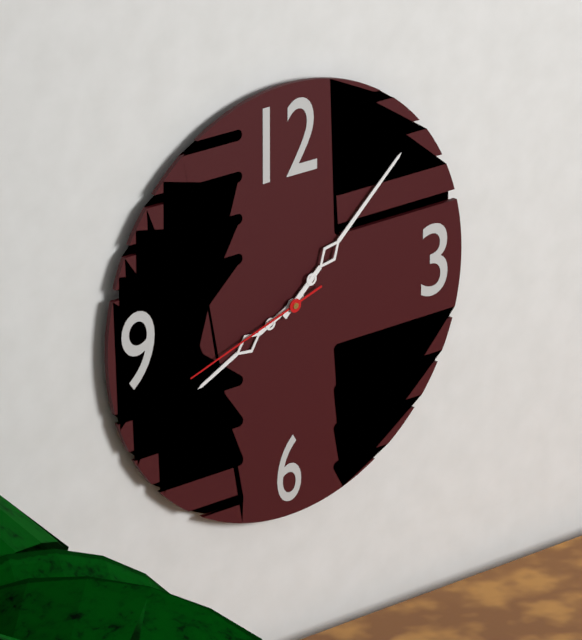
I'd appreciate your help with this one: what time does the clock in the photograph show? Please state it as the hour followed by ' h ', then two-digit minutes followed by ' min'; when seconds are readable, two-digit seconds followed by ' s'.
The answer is 8 h 08 min 42 s
